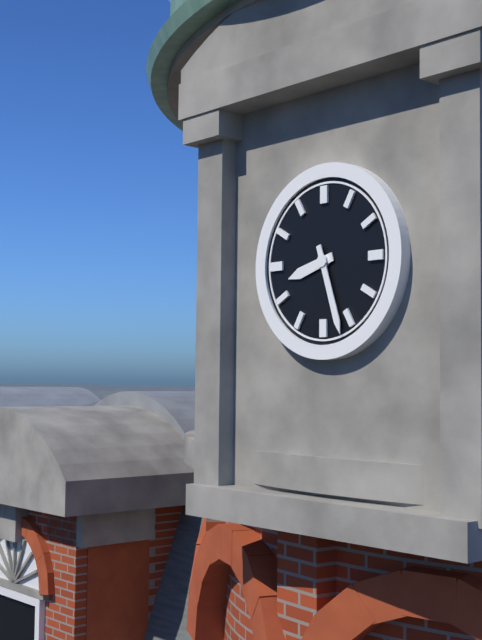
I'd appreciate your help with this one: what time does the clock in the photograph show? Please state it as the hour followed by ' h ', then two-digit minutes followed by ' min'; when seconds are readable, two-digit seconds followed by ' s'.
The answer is 8 h 27 min
